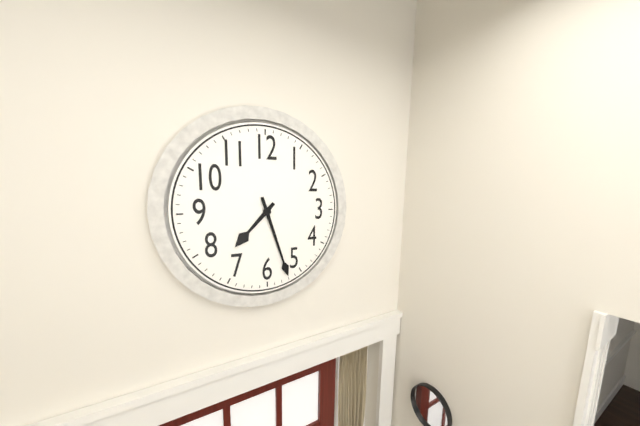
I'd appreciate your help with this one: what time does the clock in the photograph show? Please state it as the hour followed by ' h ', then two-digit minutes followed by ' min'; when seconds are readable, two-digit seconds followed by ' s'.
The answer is 7 h 27 min
